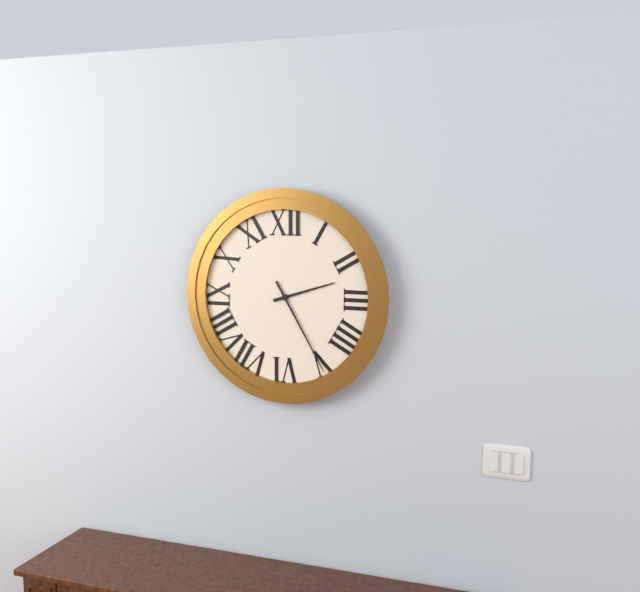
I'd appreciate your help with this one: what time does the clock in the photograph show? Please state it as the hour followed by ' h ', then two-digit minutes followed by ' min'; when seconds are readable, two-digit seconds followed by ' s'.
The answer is 2 h 25 min
